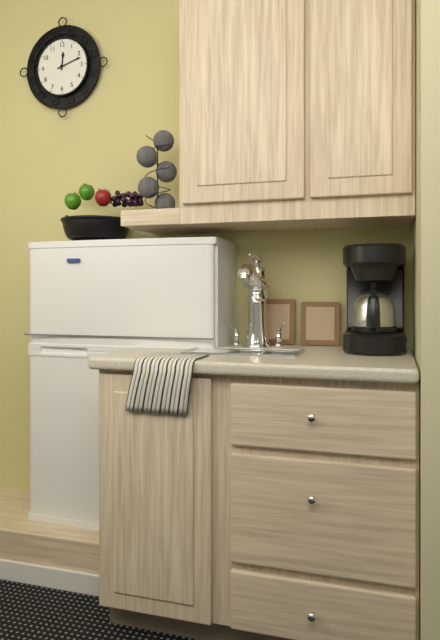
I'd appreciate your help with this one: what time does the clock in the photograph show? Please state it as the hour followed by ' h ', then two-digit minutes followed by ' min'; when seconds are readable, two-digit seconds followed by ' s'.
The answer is 12 h 12 min
